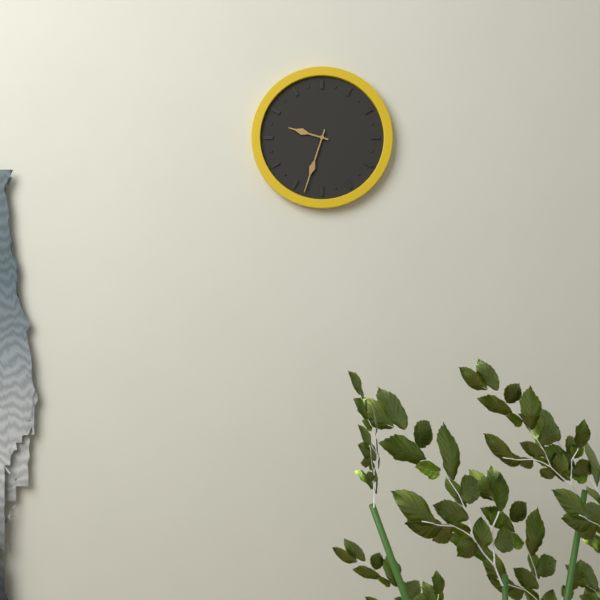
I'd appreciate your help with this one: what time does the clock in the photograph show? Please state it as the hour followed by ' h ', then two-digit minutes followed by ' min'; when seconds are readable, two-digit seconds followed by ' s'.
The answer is 9 h 33 min
